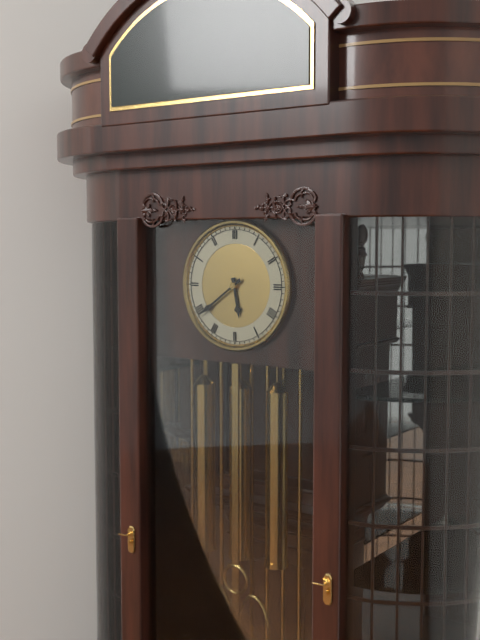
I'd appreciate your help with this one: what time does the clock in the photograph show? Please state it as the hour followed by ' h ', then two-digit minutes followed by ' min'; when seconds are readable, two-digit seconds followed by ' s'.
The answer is 5 h 39 min
